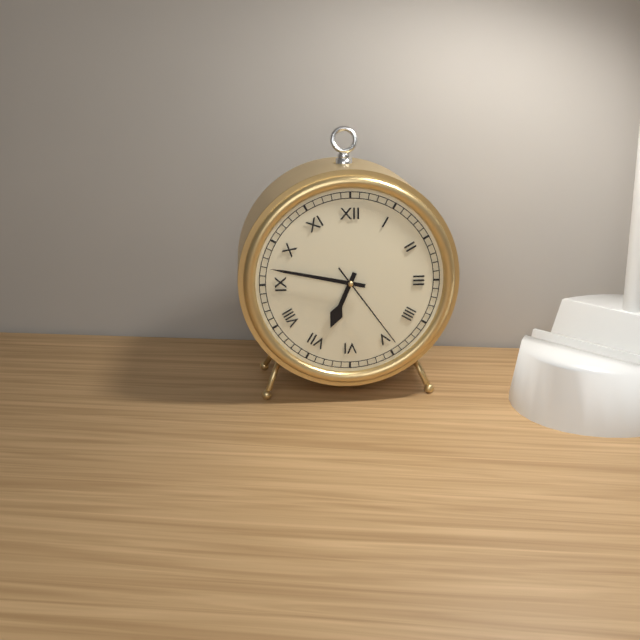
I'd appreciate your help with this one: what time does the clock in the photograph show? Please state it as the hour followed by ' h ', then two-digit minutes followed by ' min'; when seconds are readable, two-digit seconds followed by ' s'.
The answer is 6 h 47 min 24 s
